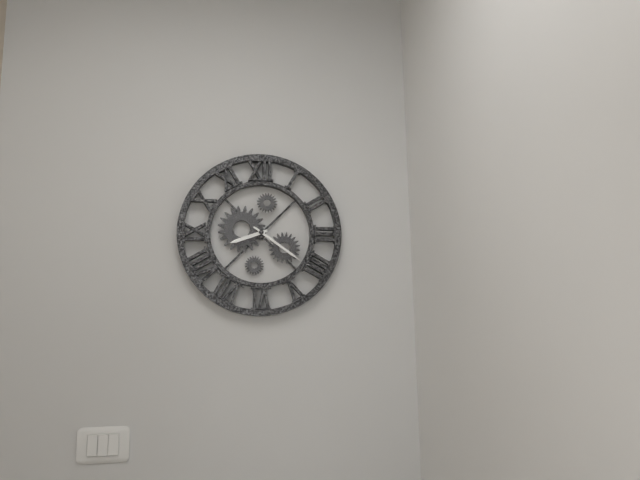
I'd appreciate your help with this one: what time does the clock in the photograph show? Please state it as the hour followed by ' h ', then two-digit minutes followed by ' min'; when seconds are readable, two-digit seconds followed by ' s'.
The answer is 8 h 21 min
